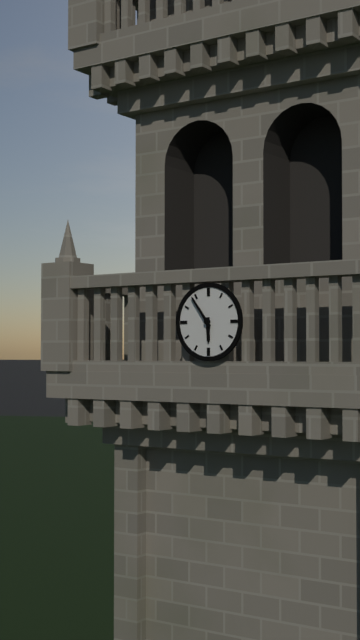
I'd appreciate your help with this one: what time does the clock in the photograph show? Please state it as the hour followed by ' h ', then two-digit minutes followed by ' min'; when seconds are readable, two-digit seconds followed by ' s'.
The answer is 5 h 54 min
